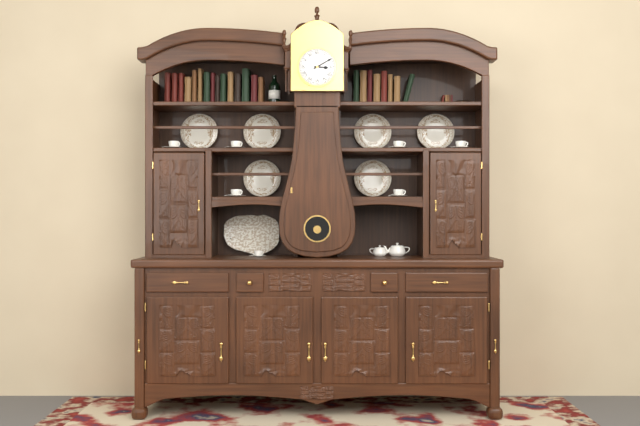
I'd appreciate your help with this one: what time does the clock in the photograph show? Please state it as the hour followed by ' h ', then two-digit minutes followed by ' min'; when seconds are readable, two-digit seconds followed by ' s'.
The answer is 3 h 10 min
